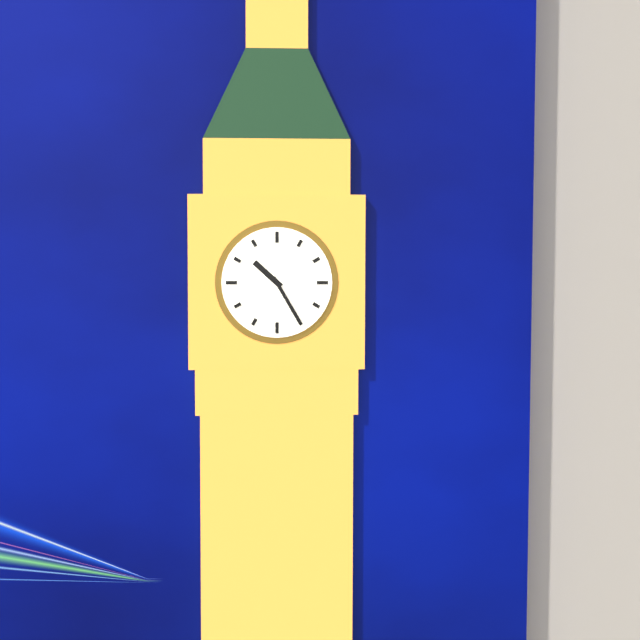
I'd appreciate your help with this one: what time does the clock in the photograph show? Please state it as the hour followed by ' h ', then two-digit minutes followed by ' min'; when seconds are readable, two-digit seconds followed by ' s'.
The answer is 10 h 25 min
